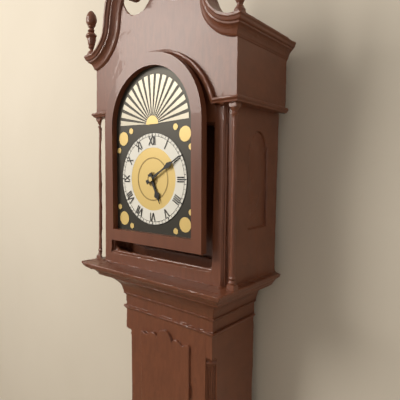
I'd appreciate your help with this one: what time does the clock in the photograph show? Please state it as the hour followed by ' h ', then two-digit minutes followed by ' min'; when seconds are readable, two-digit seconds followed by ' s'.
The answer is 5 h 10 min
